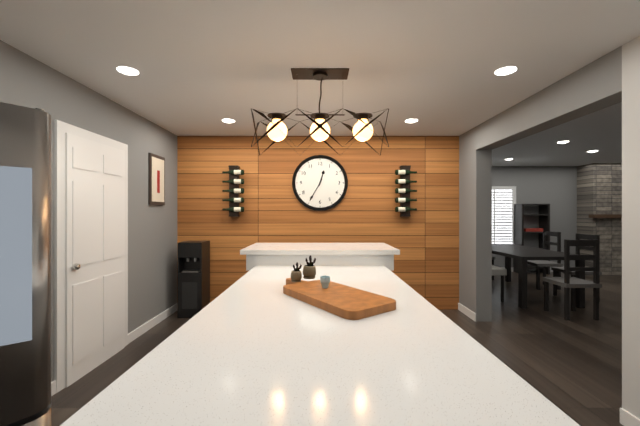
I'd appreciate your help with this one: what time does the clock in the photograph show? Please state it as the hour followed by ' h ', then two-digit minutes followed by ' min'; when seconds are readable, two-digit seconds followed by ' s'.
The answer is 12 h 35 min
